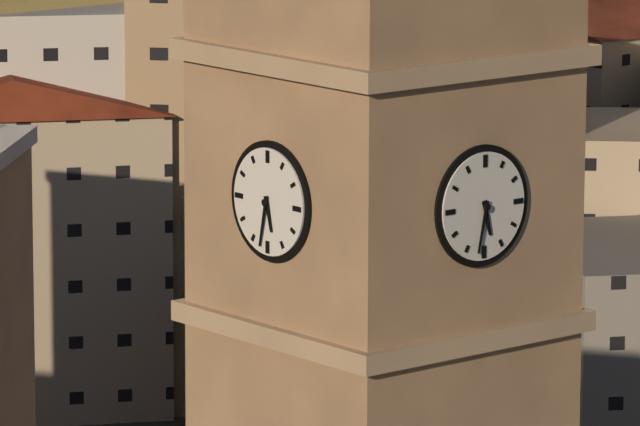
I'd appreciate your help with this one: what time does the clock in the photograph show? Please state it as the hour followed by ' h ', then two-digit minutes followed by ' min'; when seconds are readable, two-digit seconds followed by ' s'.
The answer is 5 h 32 min
